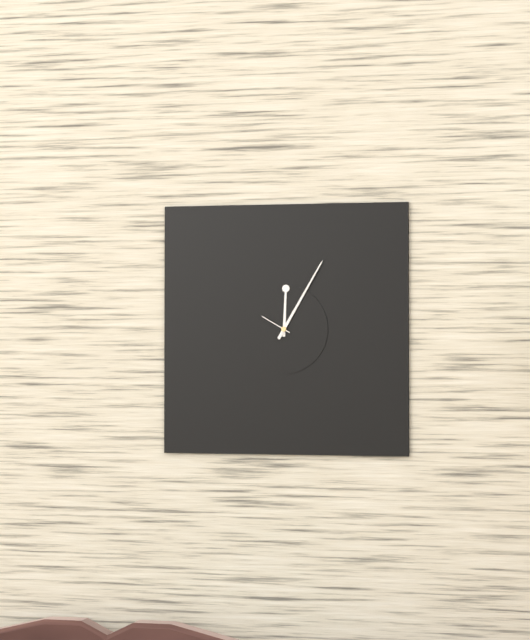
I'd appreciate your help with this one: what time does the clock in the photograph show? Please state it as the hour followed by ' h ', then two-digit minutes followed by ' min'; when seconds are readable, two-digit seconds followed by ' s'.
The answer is 12 h 05 min
